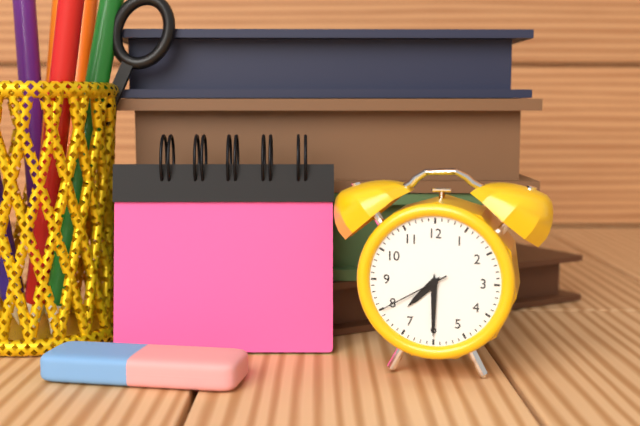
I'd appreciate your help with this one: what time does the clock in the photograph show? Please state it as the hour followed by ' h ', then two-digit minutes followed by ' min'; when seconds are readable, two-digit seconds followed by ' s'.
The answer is 7 h 30 min 40 s
